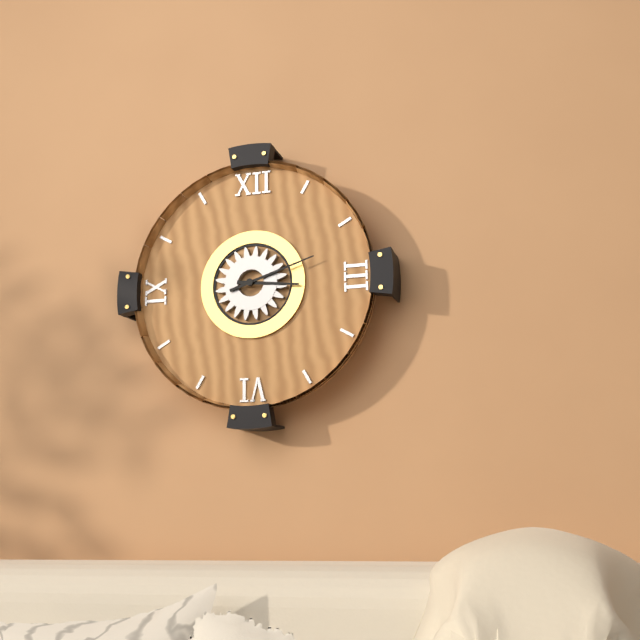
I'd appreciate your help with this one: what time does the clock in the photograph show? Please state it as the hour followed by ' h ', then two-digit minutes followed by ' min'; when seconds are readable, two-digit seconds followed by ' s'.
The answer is 3 h 12 min
